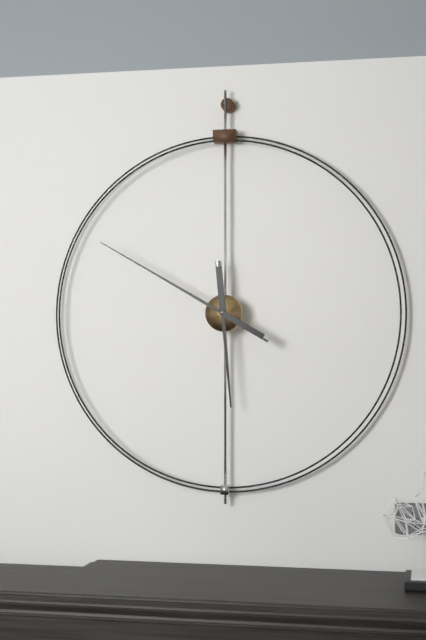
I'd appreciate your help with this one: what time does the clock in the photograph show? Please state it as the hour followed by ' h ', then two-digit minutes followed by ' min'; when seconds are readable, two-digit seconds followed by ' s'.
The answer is 5 h 50 min
